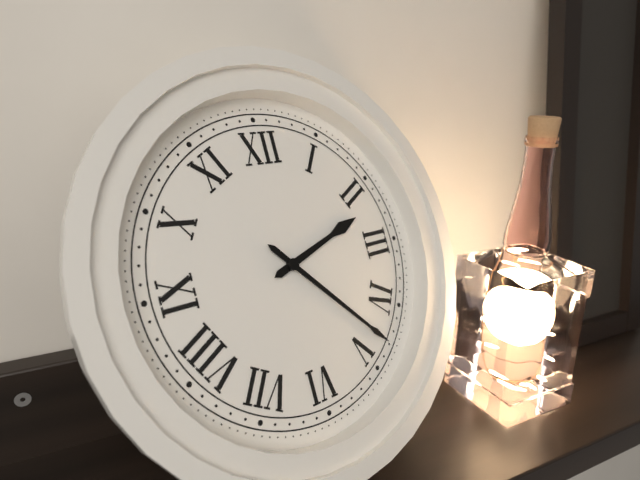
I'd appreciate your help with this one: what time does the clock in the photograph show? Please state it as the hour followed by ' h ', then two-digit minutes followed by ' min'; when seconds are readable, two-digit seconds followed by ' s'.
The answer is 2 h 23 min
